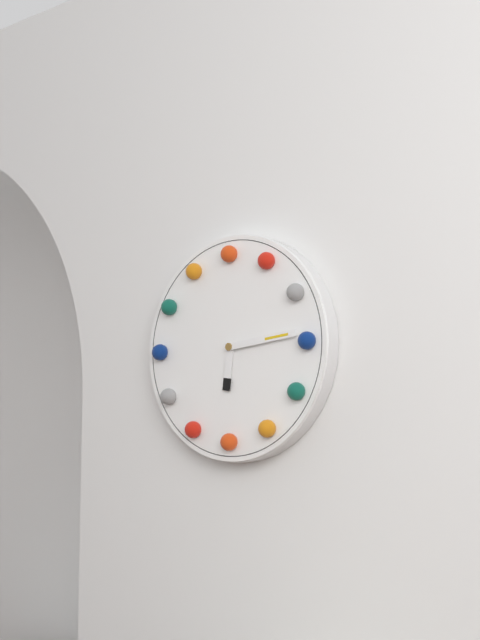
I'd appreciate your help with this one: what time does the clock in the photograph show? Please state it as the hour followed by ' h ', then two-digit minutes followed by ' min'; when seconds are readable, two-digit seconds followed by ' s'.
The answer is 6 h 14 min
